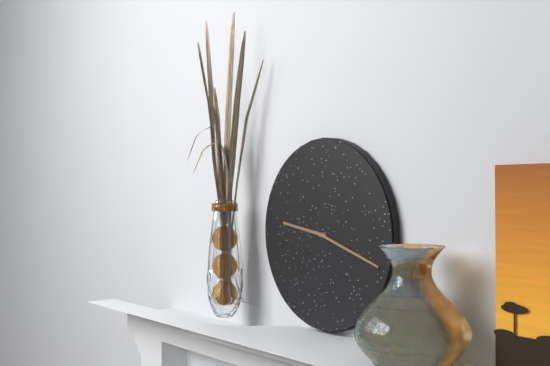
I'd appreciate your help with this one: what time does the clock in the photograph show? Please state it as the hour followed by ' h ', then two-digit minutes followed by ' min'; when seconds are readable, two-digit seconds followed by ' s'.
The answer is 9 h 18 min
